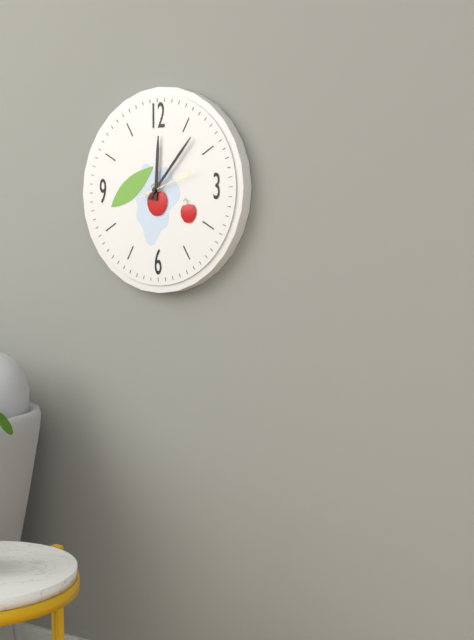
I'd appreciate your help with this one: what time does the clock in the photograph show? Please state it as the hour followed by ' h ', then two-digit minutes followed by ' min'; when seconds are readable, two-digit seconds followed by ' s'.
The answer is 12 h 07 min 12 s
